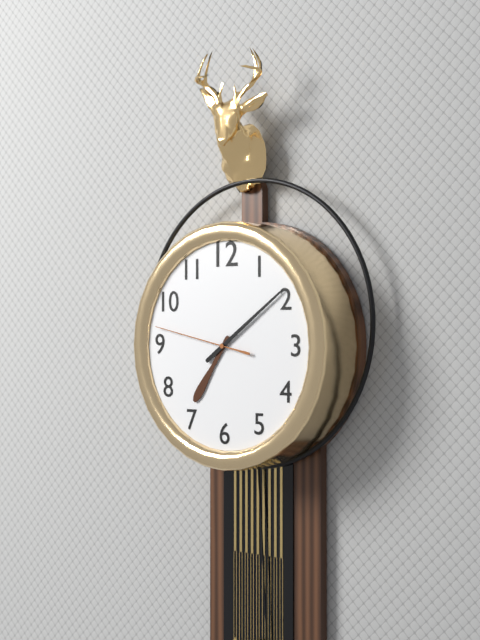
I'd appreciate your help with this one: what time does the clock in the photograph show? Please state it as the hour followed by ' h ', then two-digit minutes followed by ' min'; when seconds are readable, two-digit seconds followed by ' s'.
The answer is 7 h 09 min 47 s
